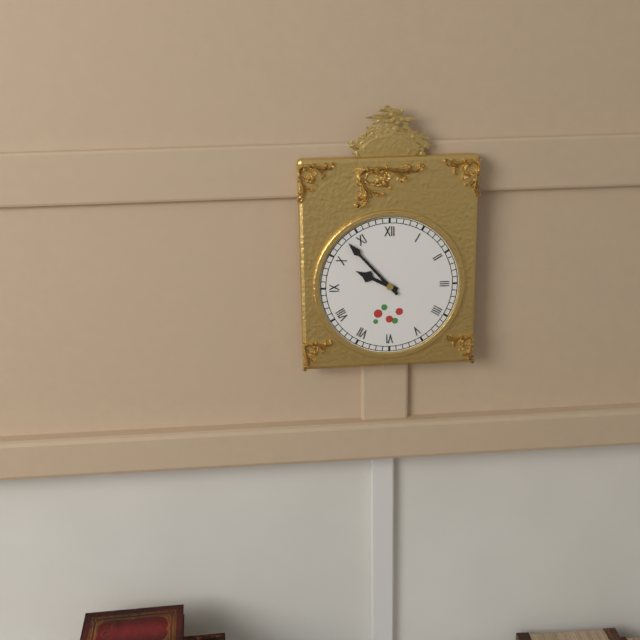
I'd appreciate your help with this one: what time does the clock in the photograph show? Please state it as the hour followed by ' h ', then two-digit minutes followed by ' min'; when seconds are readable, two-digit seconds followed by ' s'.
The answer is 9 h 53 min
